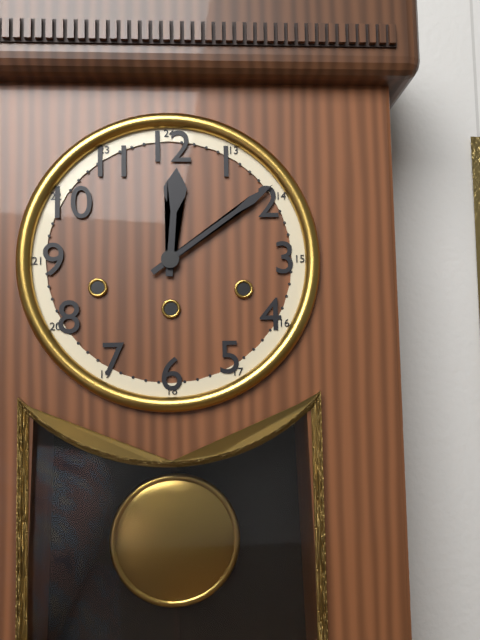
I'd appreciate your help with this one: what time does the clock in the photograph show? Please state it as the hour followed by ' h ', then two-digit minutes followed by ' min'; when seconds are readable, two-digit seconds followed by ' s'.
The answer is 12 h 09 min
